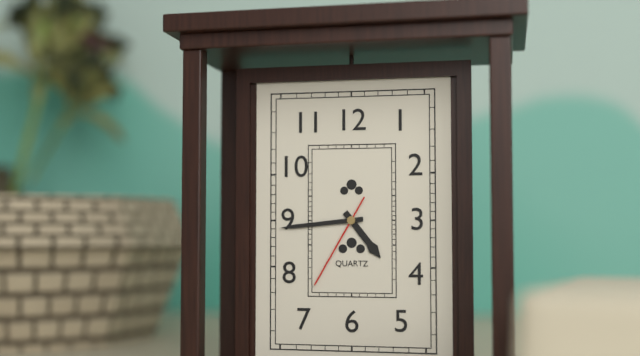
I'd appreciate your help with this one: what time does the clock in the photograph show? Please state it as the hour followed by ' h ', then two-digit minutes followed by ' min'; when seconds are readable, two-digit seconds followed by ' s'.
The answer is 4 h 44 min 35 s
